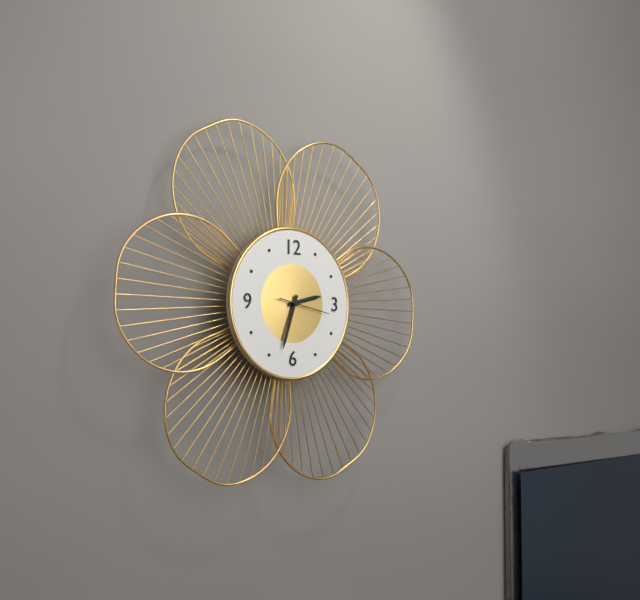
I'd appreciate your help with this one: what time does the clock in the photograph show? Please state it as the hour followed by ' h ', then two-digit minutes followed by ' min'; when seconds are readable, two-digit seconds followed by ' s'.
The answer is 2 h 33 min
